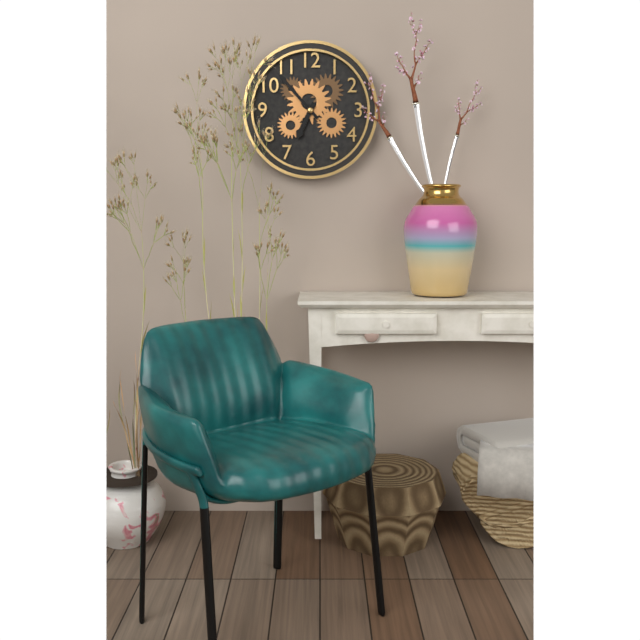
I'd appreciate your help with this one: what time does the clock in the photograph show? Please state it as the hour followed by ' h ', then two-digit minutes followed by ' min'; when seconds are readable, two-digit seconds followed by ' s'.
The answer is 6 h 53 min
